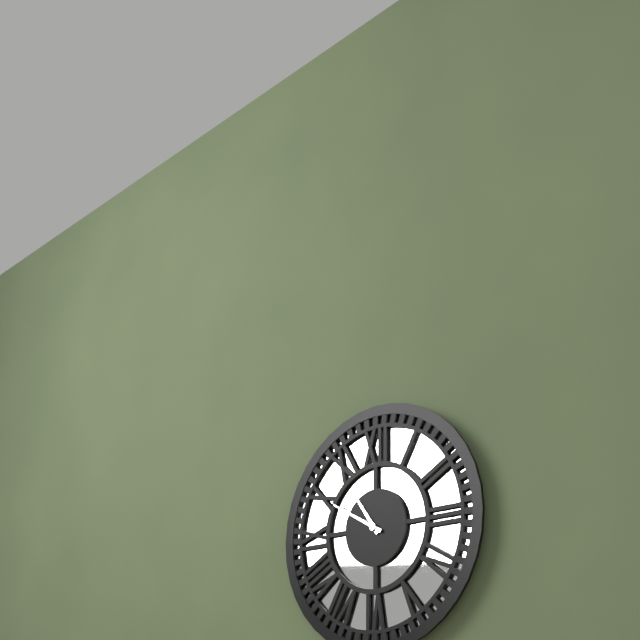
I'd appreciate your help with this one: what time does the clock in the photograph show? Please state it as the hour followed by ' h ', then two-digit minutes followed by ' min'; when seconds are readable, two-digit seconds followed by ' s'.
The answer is 10 h 50 min
